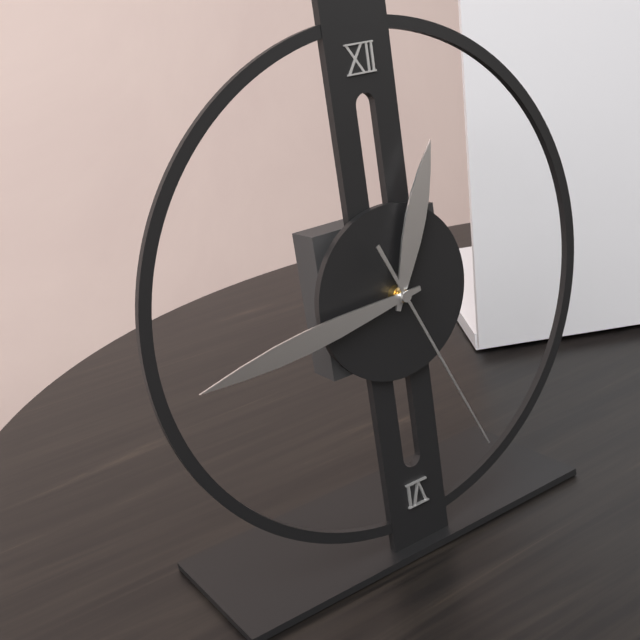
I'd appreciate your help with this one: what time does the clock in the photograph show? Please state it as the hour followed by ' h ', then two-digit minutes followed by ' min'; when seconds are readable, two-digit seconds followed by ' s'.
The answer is 12 h 44 min 26 s
